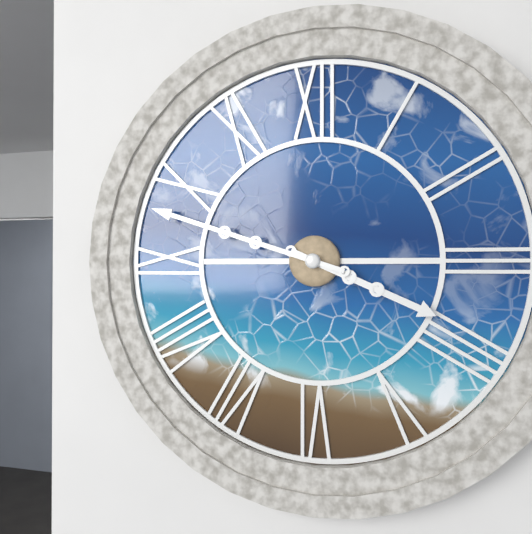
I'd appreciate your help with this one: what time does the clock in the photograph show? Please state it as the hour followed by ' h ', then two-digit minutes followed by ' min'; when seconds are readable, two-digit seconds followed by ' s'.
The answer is 3 h 48 min
